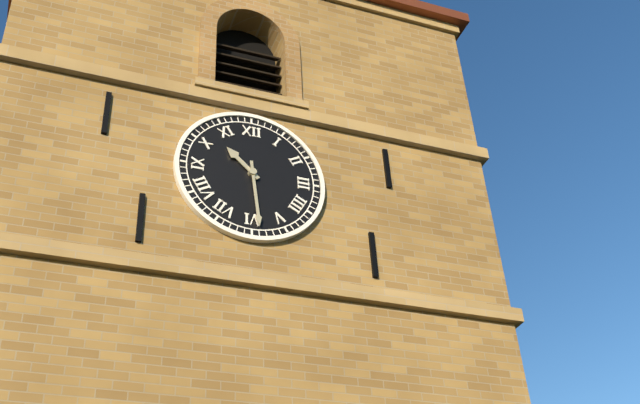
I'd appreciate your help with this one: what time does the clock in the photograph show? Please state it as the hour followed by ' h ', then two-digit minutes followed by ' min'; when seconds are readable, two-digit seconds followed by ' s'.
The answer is 10 h 29 min
